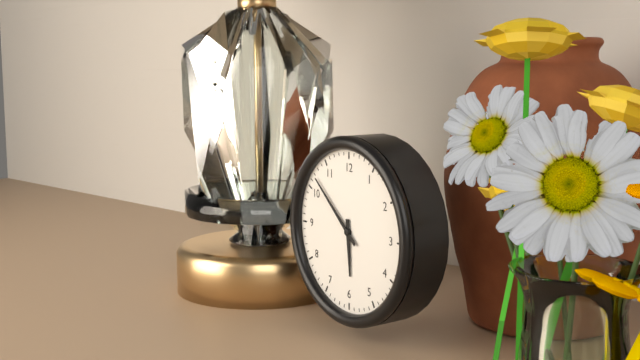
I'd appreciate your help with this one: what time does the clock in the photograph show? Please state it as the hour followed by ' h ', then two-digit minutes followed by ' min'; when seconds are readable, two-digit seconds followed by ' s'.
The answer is 5 h 52 min
